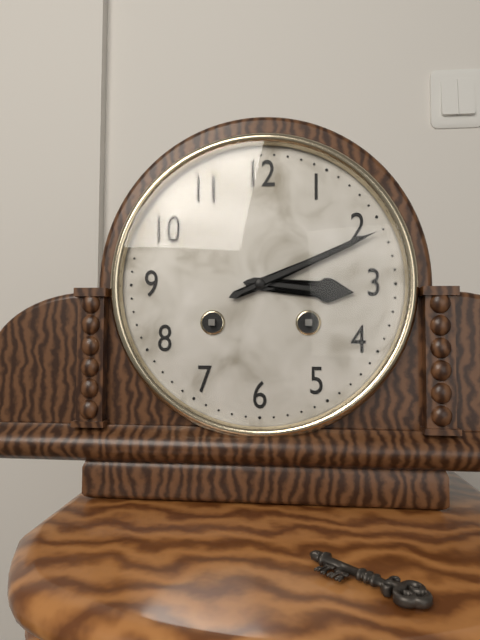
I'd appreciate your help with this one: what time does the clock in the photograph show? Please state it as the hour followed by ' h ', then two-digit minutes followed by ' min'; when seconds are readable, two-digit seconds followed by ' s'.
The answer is 3 h 11 min
